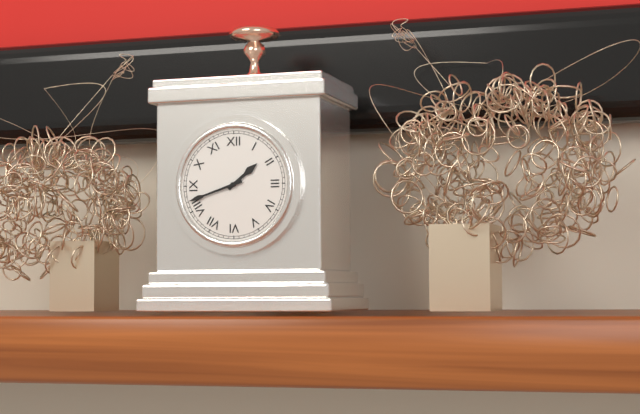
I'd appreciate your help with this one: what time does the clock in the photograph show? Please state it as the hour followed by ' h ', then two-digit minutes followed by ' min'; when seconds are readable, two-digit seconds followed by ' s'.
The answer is 1 h 42 min
